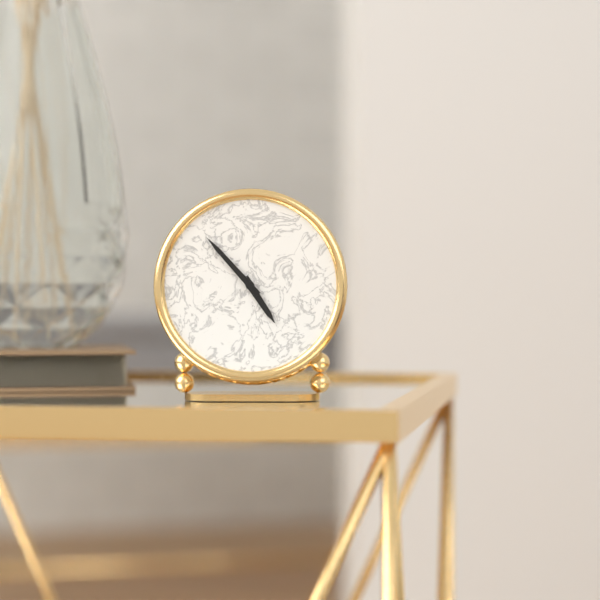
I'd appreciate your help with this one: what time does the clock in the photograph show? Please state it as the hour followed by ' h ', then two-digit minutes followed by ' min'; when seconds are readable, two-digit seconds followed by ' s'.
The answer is 4 h 53 min
